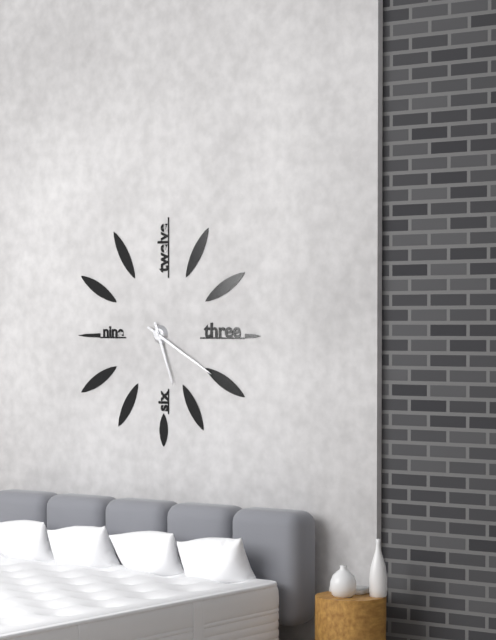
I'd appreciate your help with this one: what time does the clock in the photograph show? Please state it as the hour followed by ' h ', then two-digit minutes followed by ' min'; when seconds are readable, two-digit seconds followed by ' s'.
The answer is 5 h 20 min
